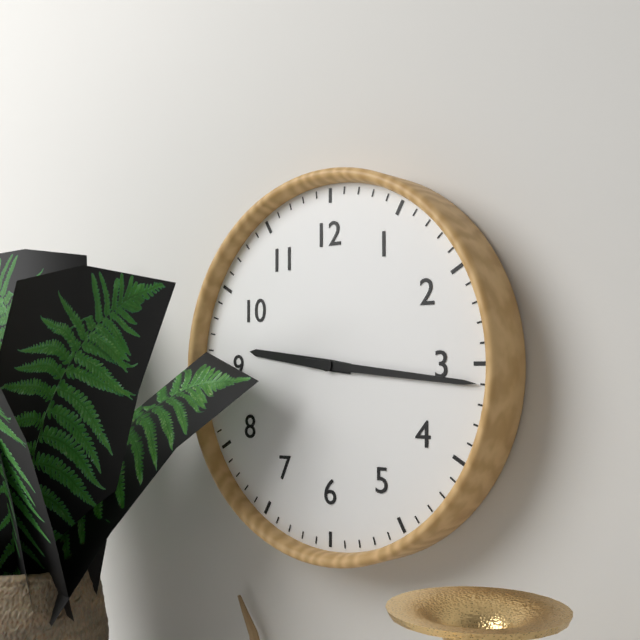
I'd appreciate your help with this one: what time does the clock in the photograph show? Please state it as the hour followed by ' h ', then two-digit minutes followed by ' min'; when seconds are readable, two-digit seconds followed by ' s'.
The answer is 9 h 16 min
